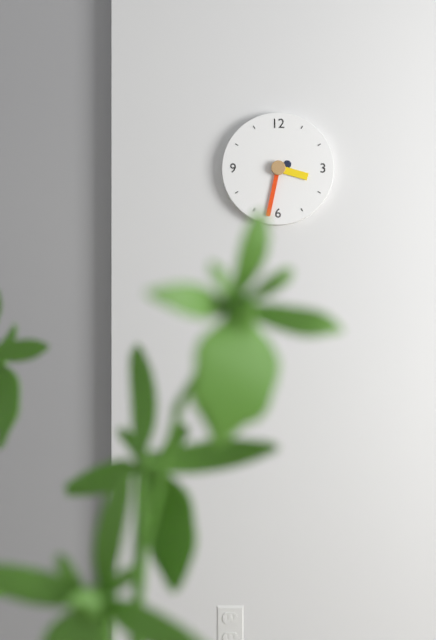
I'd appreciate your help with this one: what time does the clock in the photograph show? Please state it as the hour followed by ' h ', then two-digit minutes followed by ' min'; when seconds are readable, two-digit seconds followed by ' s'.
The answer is 3 h 32 min
